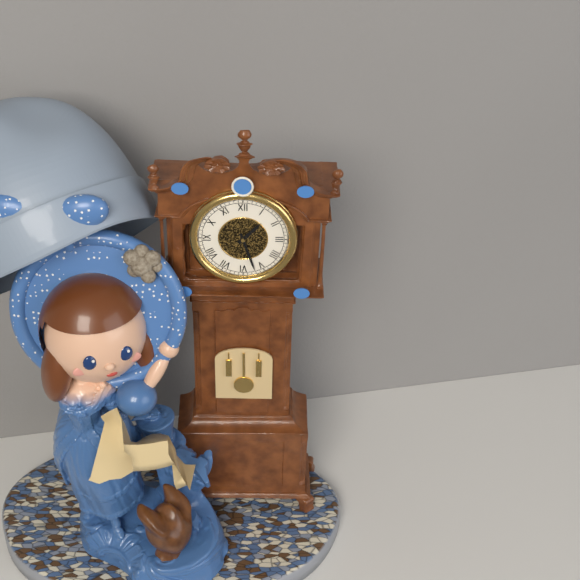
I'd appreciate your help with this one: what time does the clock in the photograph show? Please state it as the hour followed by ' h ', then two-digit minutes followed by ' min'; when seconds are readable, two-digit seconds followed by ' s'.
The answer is 1 h 27 min
